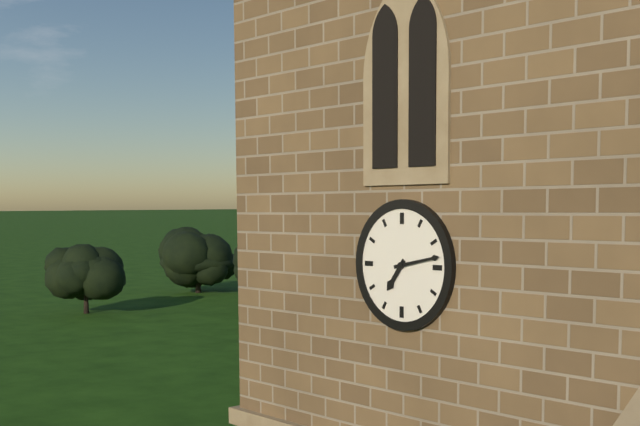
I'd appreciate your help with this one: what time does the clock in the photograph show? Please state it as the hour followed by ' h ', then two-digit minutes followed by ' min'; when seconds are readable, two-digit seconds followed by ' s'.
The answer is 7 h 13 min
